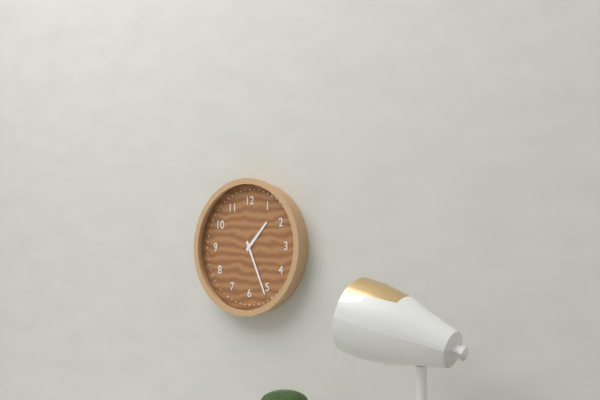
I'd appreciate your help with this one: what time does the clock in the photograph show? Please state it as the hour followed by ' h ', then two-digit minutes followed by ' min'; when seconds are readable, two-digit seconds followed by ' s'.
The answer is 1 h 26 min
